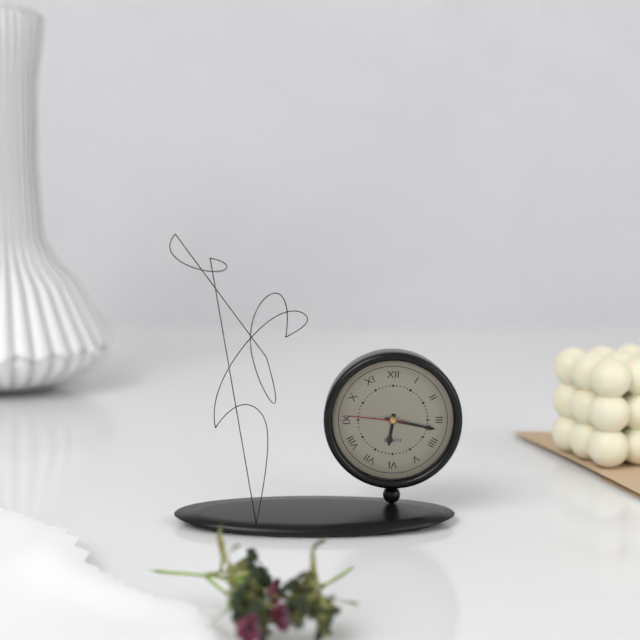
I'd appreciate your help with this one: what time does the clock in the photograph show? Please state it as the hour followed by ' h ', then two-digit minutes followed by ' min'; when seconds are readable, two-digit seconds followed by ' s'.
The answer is 6 h 17 min 46 s
